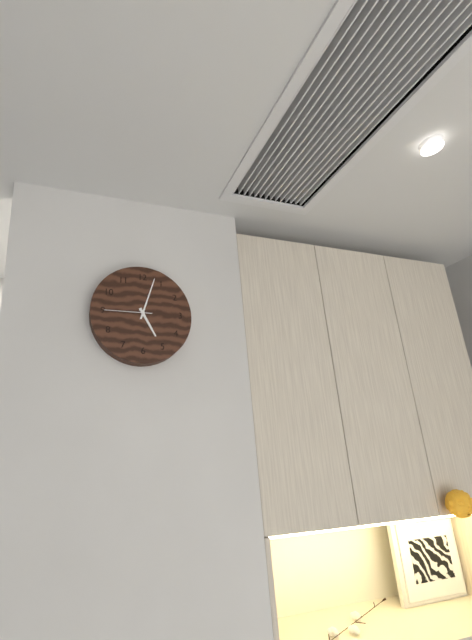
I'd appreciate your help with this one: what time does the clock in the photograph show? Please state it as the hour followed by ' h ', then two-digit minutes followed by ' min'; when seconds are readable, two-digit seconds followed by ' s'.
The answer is 5 h 03 min
